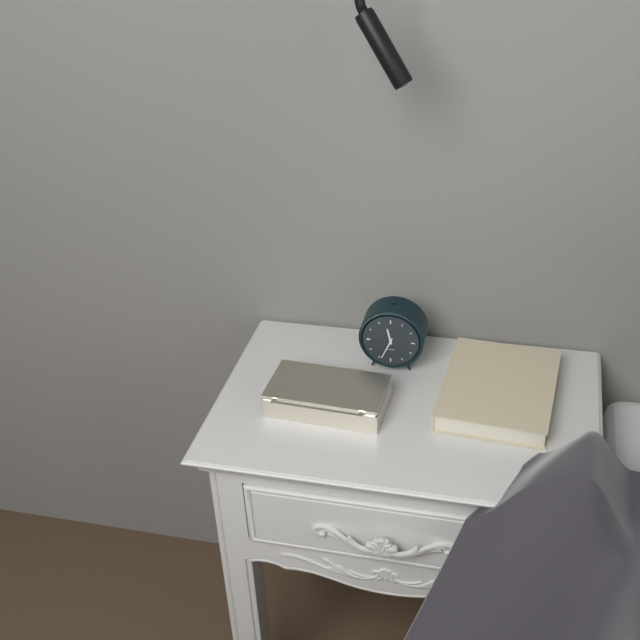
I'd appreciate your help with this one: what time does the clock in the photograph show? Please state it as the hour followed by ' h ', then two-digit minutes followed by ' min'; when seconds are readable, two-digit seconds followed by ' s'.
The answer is 11 h 34 min
